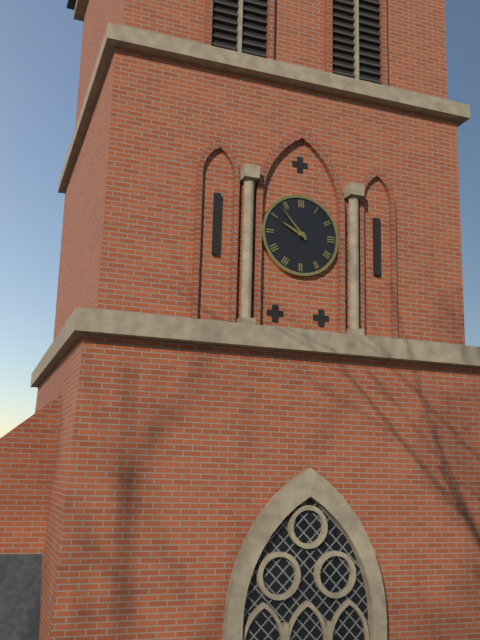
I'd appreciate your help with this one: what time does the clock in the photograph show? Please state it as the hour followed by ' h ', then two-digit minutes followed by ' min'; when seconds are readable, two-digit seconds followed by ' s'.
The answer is 9 h 53 min
